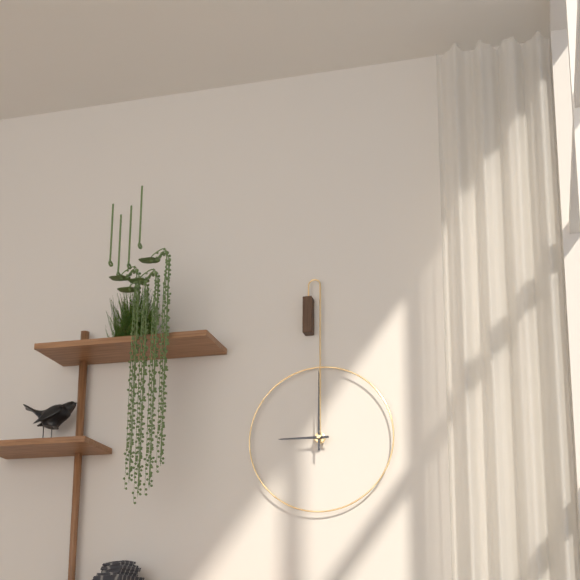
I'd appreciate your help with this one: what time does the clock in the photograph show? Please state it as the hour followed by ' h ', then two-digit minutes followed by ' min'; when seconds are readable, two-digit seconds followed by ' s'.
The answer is 9 h 00 min
